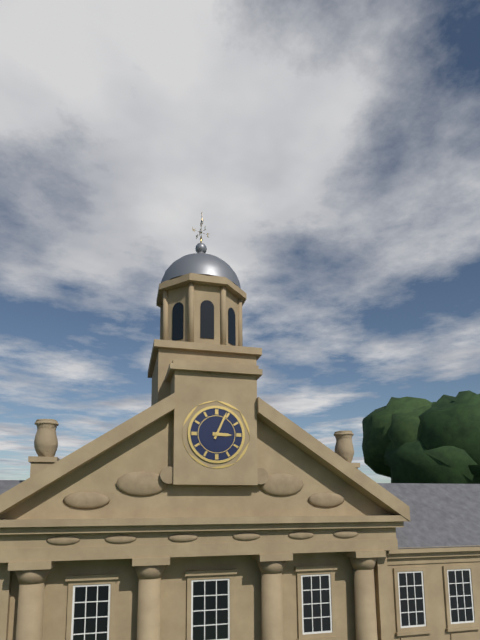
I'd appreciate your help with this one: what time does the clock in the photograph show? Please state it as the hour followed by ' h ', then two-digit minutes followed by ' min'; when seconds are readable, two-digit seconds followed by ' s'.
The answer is 3 h 04 min
